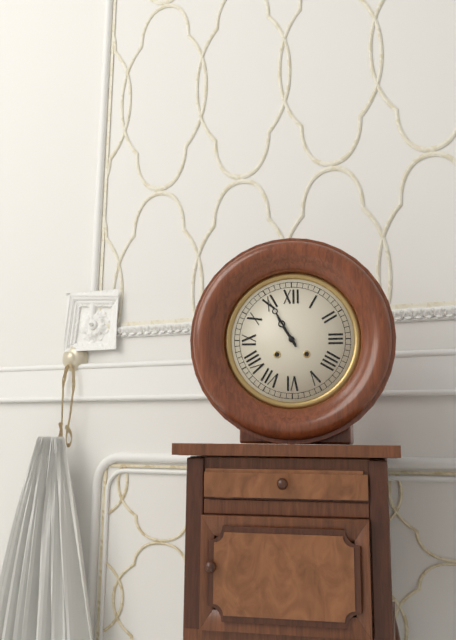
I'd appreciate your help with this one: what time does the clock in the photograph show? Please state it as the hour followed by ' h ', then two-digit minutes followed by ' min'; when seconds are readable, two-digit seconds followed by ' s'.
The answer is 10 h 55 min
